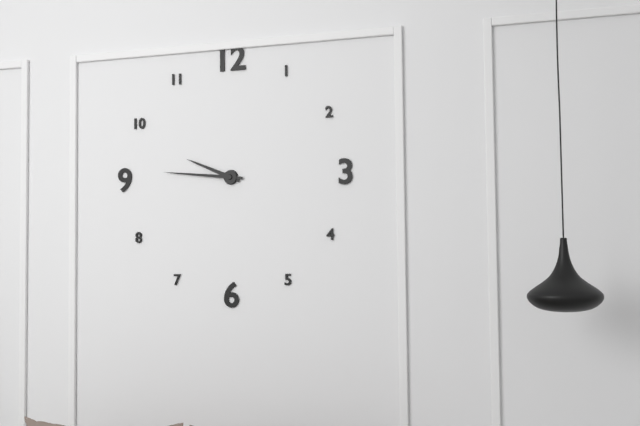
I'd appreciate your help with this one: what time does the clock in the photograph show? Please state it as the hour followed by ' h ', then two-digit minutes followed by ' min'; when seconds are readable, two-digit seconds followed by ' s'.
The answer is 9 h 46 min
